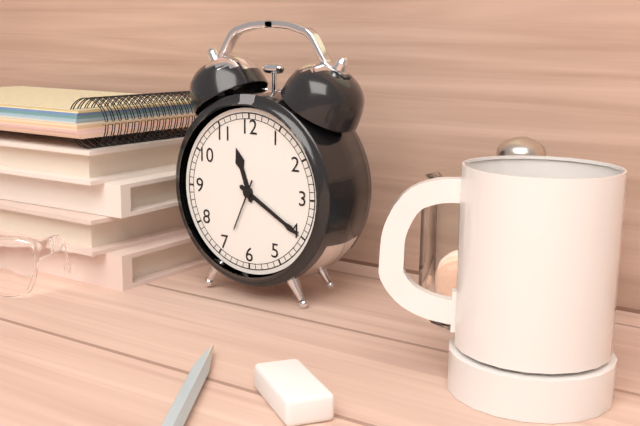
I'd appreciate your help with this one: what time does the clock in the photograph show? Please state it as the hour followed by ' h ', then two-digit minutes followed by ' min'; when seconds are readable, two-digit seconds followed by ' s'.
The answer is 11 h 20 min 34 s
